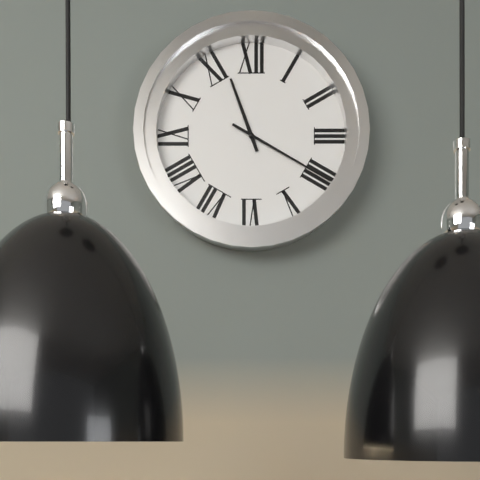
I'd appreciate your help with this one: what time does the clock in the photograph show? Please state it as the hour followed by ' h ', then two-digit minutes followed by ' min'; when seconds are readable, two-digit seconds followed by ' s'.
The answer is 11 h 20 min
